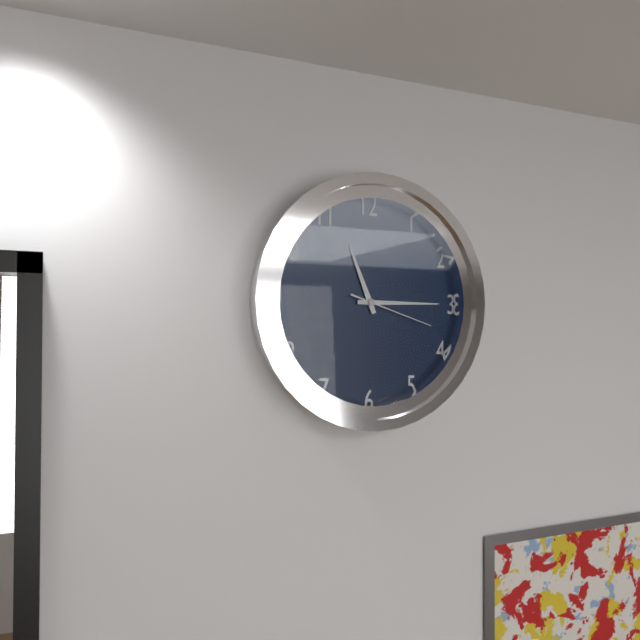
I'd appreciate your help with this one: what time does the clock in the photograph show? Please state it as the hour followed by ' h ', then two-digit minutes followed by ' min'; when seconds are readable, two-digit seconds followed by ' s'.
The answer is 11 h 15 min 18 s
